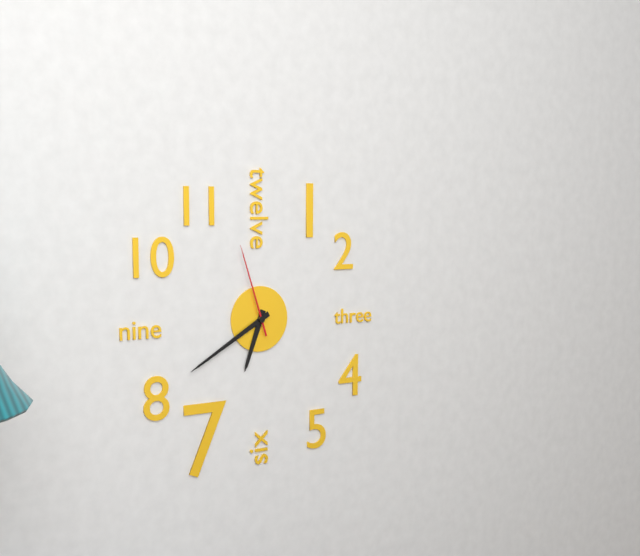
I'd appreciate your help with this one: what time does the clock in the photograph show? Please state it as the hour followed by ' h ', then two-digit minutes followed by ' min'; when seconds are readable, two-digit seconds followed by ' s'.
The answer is 6 h 40 min 57 s
